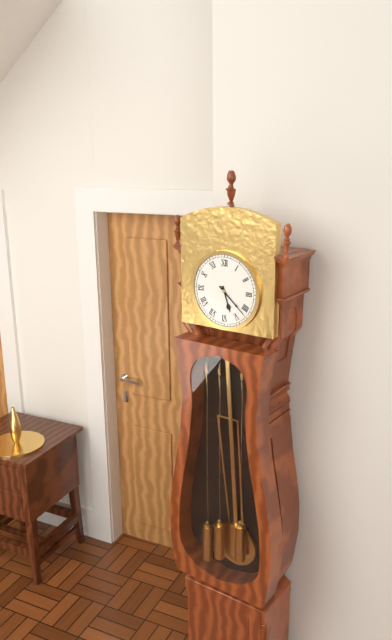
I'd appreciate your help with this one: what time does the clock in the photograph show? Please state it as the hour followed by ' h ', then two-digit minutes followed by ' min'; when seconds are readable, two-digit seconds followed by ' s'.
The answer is 5 h 22 min
